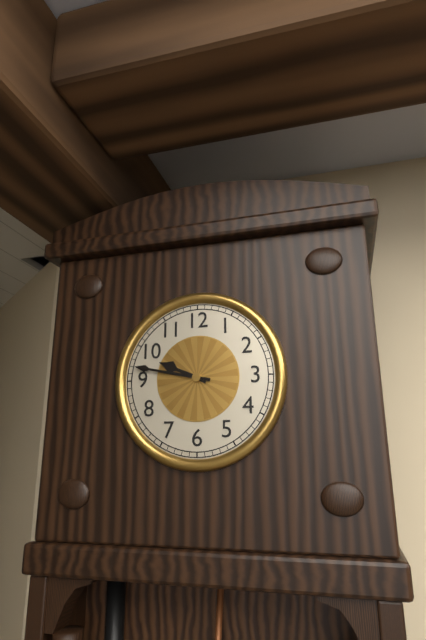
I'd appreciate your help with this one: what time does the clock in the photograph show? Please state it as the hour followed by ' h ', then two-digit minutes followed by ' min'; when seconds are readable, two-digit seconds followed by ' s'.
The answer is 9 h 47 min
